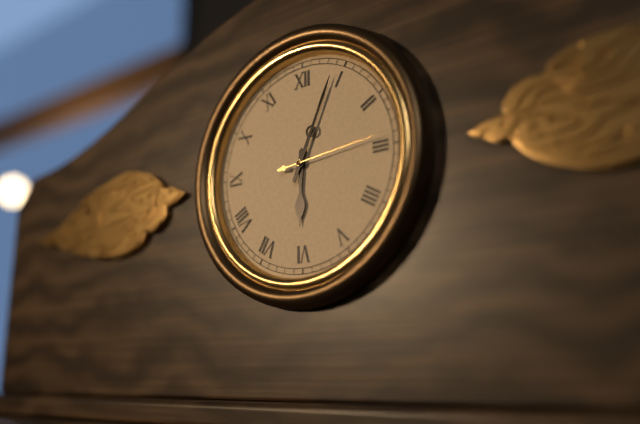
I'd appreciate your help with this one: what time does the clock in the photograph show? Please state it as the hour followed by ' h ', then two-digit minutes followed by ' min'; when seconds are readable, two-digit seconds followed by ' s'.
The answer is 6 h 04 min 14 s
